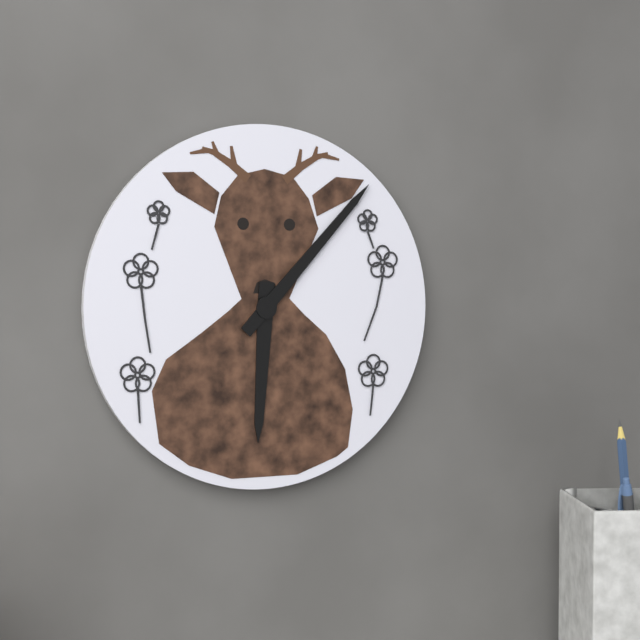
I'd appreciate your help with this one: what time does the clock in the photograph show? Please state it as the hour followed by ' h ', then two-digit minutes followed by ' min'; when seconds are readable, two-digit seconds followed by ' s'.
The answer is 6 h 07 min
